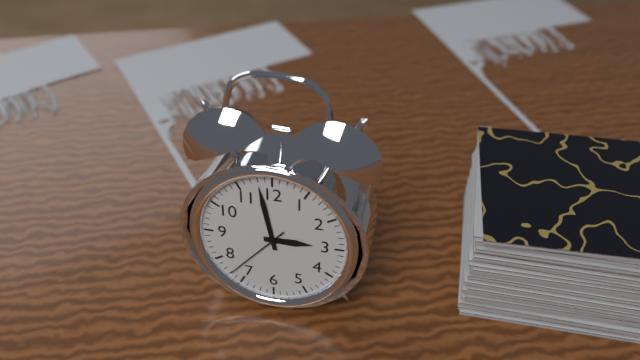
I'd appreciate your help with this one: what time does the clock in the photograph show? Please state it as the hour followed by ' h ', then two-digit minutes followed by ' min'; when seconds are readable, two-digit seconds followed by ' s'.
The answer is 2 h 58 min 37 s
